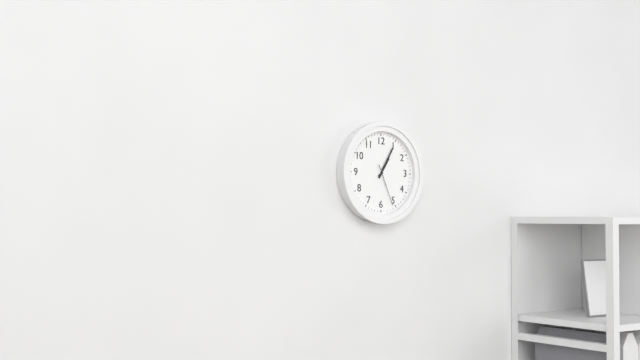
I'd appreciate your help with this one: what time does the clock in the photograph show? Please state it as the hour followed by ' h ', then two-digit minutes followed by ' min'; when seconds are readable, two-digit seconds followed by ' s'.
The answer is 1 h 05 min
